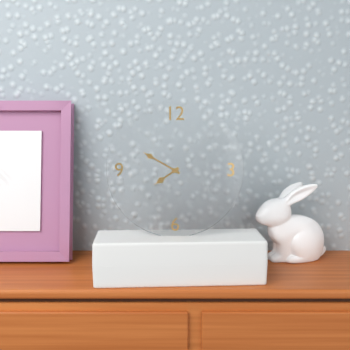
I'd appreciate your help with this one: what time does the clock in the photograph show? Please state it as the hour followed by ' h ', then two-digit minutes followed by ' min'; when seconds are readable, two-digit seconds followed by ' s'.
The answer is 7 h 50 min
